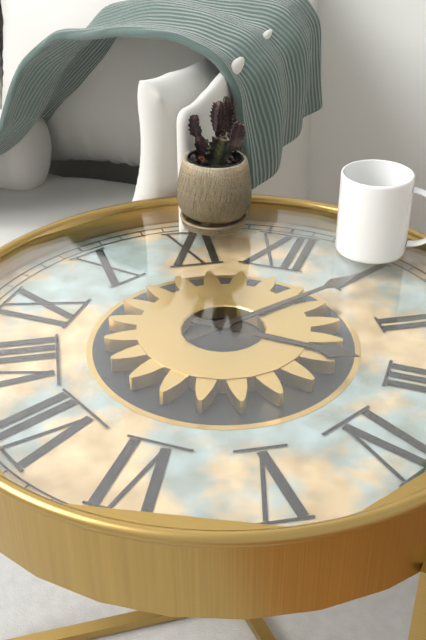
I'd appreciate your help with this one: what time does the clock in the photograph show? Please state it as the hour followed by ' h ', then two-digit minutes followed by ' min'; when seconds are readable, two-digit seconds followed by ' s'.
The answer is 3 h 06 min
